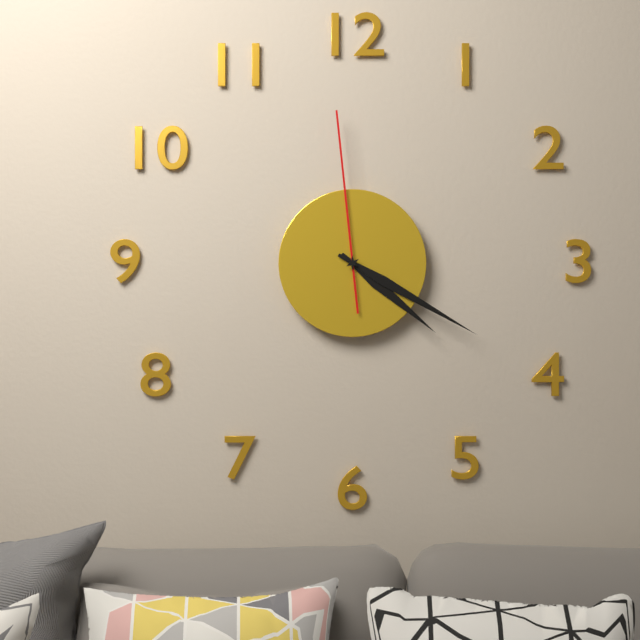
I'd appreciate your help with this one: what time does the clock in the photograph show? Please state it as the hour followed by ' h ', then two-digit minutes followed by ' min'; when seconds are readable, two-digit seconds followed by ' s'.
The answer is 4 h 20 min 59 s
